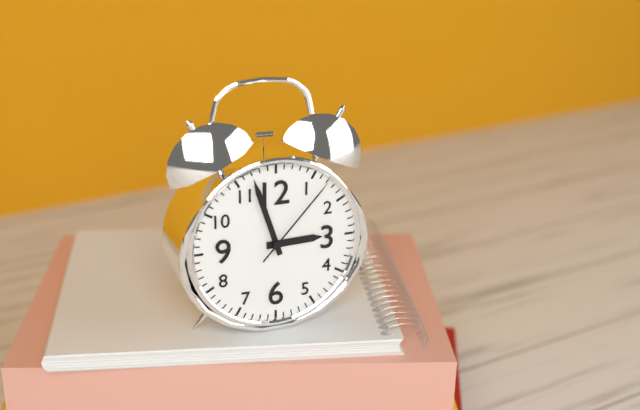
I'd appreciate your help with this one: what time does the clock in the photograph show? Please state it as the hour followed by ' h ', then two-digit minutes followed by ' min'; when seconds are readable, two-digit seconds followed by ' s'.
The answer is 2 h 57 min 07 s
